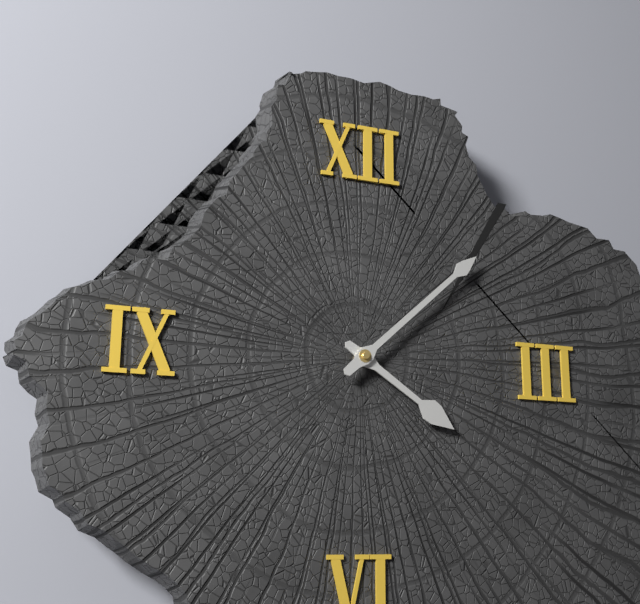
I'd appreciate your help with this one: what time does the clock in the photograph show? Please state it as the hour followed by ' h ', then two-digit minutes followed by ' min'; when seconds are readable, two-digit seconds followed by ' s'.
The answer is 4 h 08 min
